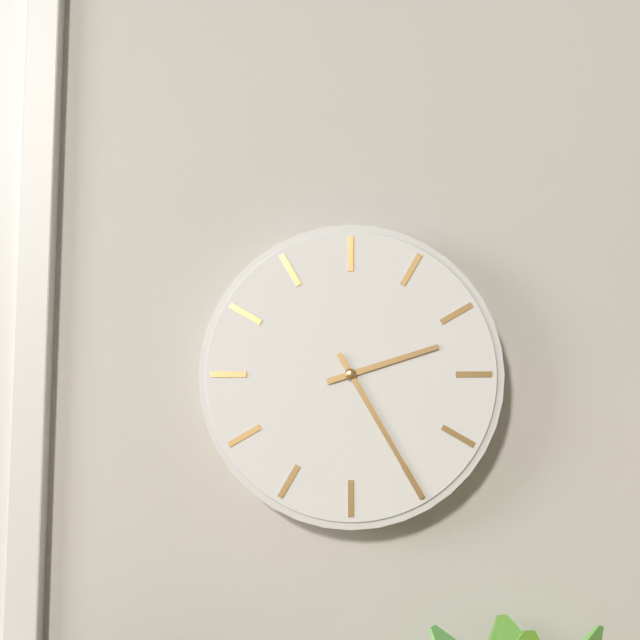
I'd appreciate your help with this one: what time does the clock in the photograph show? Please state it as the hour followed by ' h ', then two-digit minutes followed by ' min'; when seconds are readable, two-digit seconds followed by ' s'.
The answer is 2 h 25 min
